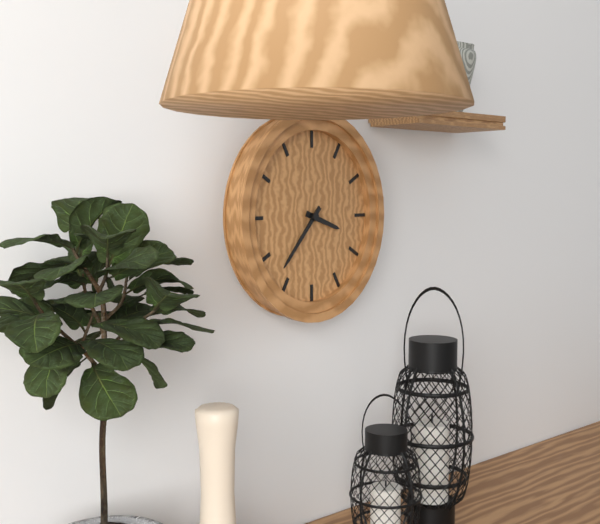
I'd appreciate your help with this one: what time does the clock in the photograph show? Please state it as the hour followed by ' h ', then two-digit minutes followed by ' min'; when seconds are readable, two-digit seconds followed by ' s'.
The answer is 3 h 37 min
